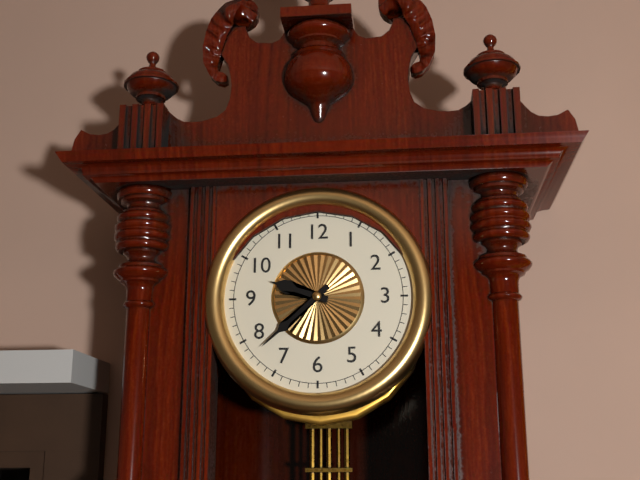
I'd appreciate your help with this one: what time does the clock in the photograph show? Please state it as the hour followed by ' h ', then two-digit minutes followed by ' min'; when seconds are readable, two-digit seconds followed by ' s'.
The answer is 9 h 38 min
